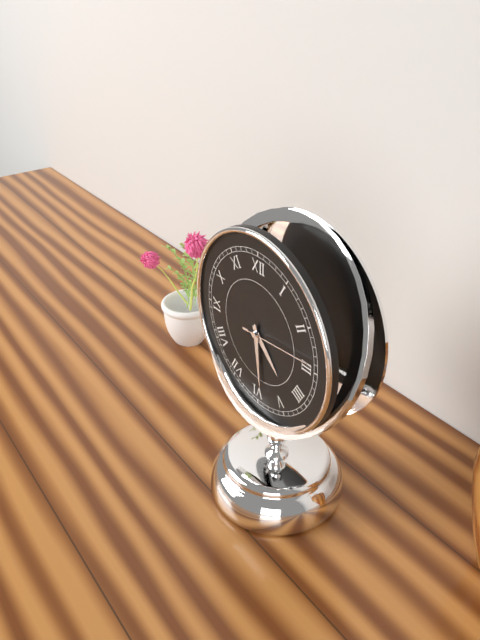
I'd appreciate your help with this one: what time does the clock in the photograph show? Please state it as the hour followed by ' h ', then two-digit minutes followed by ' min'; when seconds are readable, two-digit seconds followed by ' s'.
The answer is 4 h 29 min 14 s
